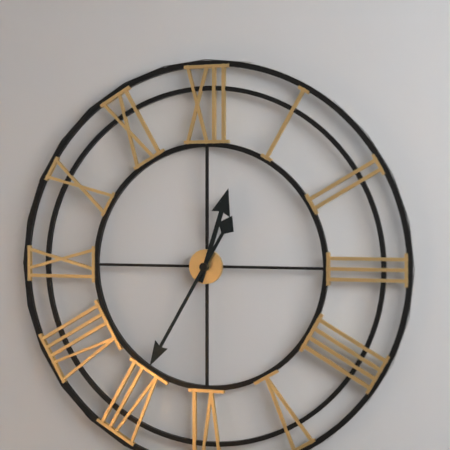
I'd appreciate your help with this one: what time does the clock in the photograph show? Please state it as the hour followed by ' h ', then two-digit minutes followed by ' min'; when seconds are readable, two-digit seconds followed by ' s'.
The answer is 12 h 35 min
